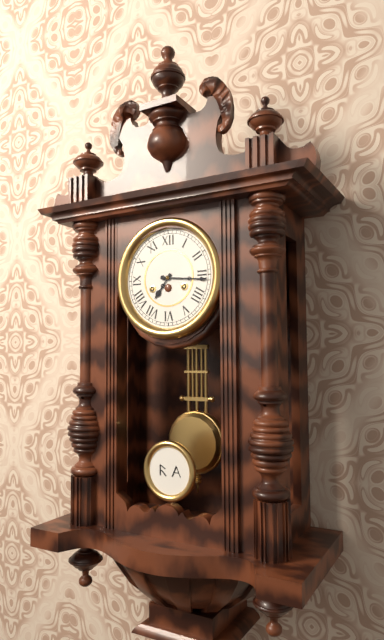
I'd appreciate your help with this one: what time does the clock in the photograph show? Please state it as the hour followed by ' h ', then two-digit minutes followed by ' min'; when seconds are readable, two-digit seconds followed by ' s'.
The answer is 7 h 16 min
